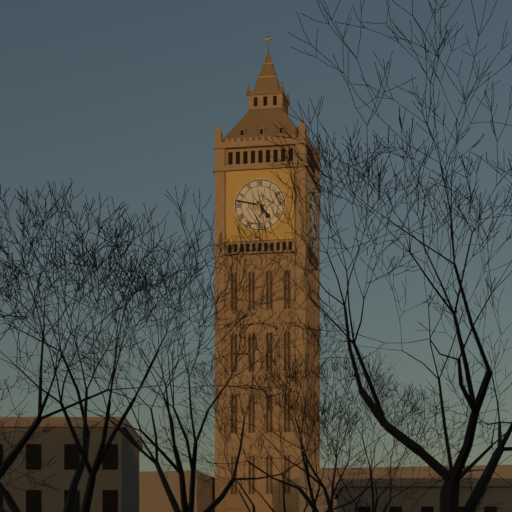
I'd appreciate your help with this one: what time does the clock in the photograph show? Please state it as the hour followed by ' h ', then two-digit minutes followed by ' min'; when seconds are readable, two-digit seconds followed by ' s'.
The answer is 4 h 47 min
